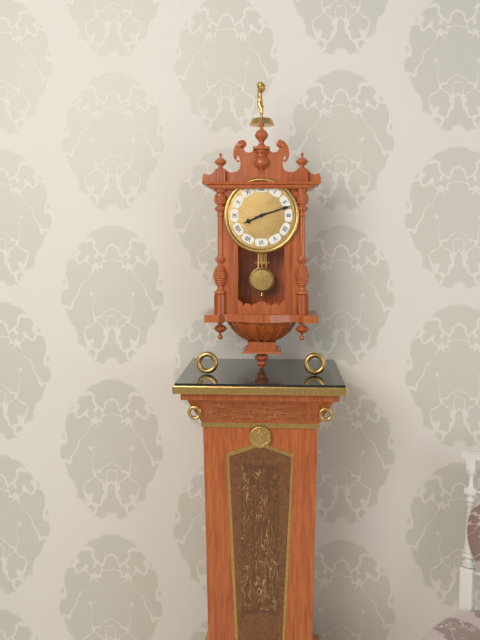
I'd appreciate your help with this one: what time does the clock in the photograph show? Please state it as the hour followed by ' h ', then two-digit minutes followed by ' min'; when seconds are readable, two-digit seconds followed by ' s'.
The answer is 8 h 12 min
